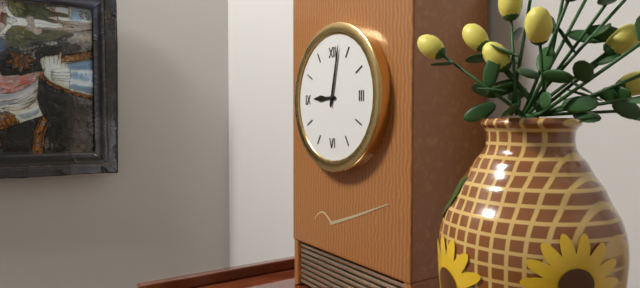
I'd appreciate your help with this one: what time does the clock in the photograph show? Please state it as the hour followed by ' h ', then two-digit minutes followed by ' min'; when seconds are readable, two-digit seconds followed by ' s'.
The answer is 9 h 02 min
